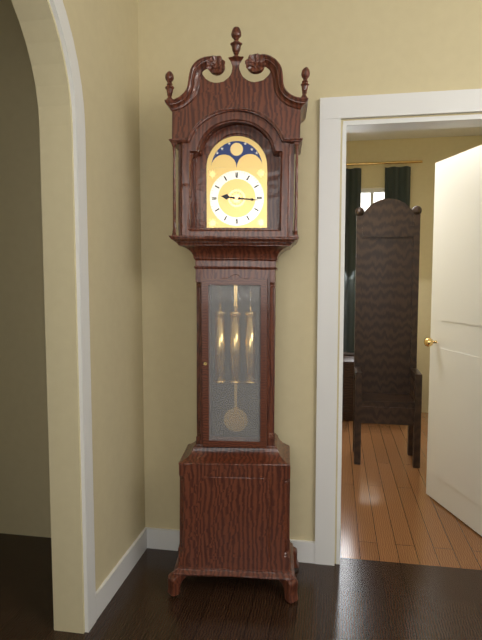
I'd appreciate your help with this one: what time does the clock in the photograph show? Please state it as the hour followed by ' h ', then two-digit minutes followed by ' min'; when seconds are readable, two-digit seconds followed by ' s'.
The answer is 9 h 16 min
